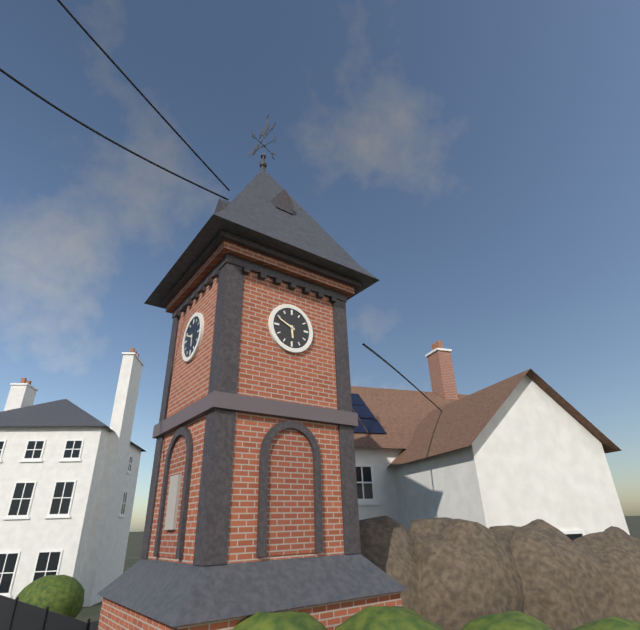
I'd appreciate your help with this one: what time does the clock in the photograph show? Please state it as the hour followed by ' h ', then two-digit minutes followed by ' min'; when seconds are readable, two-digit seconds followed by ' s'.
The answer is 5 h 49 min
